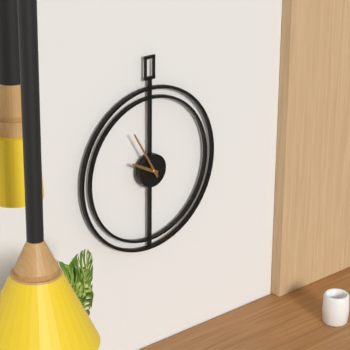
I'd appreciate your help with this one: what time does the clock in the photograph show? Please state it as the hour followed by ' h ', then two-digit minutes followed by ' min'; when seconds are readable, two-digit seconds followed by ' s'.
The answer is 9 h 55 min
